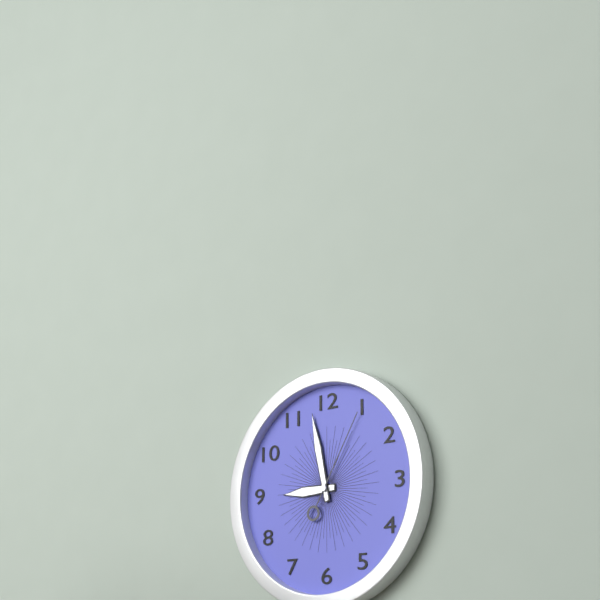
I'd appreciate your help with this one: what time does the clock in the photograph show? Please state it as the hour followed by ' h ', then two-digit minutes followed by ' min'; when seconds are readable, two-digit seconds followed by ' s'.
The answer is 8 h 58 min 05 s
